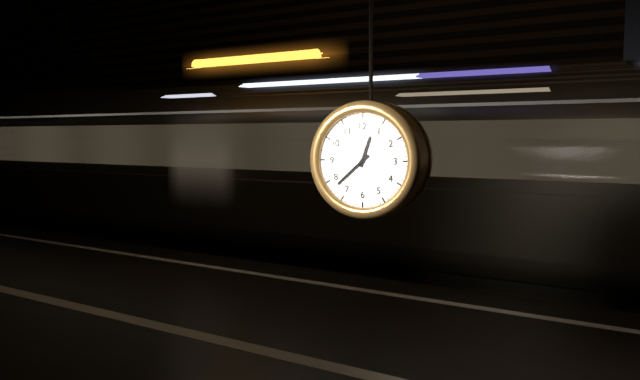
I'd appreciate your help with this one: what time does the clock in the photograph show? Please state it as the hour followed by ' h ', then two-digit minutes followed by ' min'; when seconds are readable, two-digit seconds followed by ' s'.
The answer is 12 h 38 min
